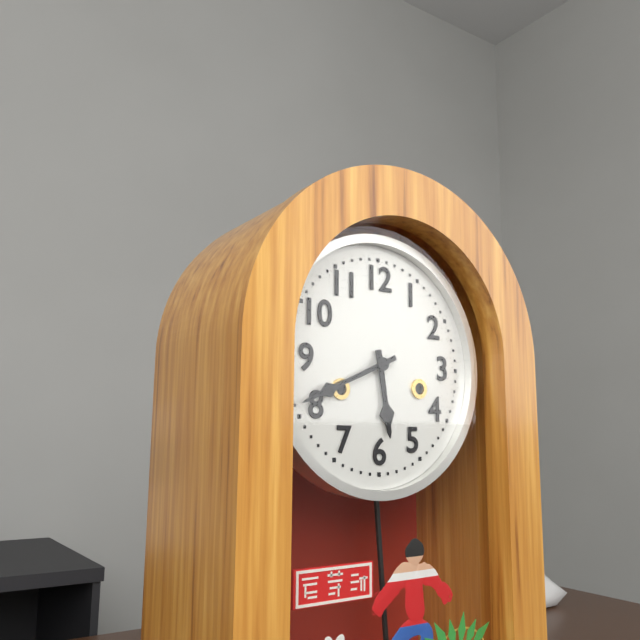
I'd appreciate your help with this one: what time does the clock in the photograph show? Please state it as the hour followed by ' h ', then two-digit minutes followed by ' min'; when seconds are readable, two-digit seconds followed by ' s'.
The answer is 5 h 41 min
